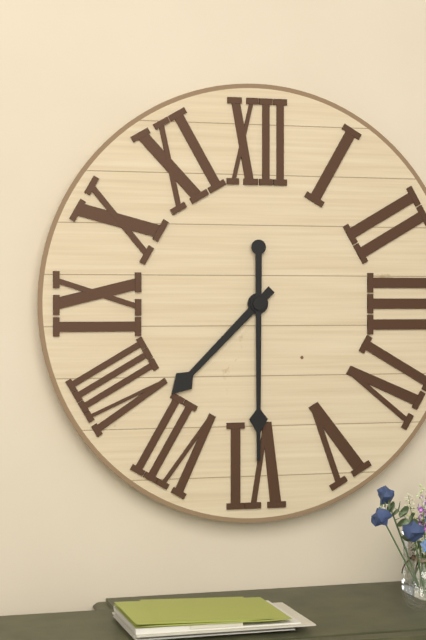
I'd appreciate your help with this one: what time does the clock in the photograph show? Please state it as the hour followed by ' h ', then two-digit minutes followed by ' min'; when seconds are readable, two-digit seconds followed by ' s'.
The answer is 7 h 30 min
